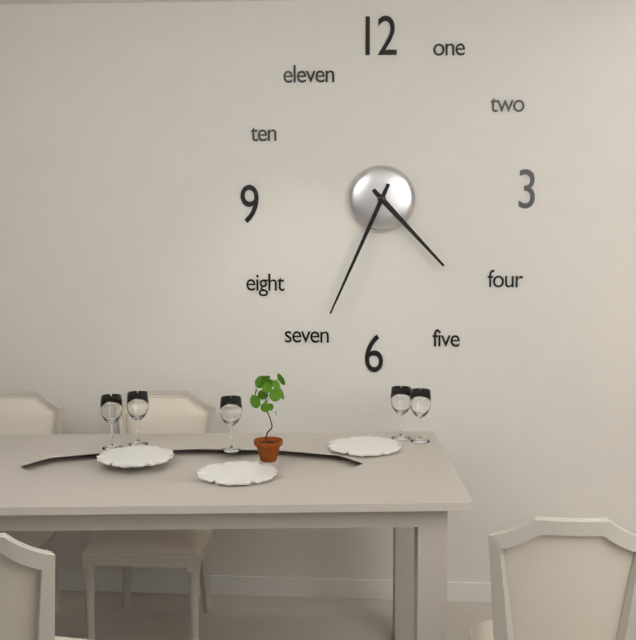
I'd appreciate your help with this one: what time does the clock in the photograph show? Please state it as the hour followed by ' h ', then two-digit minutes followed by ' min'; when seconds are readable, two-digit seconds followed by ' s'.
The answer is 4 h 34 min
